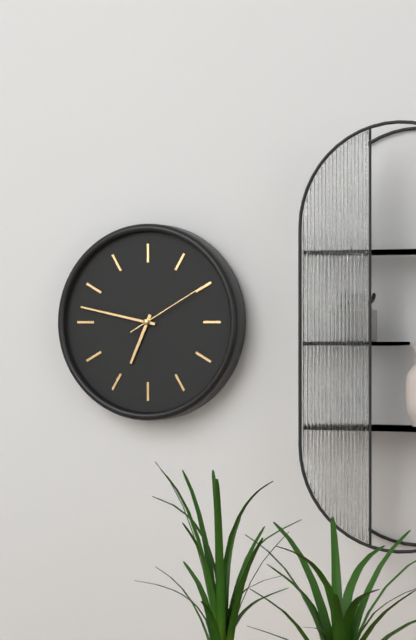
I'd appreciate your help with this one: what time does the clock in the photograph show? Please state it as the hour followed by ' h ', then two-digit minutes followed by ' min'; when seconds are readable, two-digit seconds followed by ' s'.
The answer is 6 h 47 min 10 s
